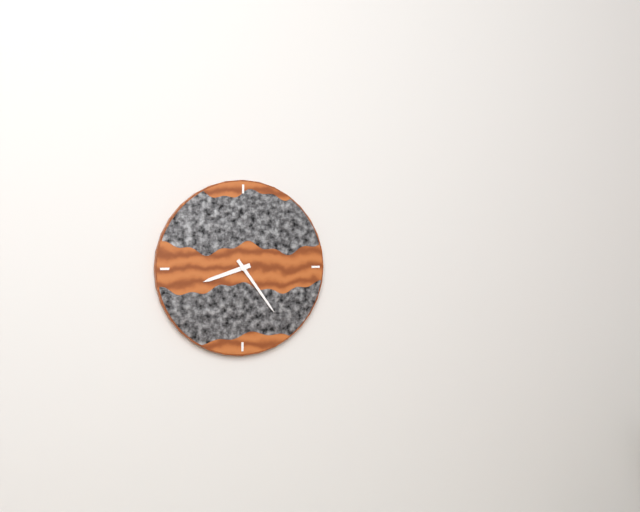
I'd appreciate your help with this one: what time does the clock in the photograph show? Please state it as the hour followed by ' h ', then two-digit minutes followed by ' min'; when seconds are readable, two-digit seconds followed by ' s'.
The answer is 8 h 24 min
